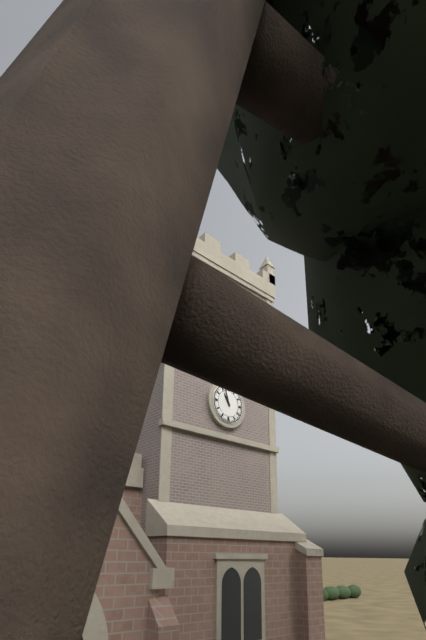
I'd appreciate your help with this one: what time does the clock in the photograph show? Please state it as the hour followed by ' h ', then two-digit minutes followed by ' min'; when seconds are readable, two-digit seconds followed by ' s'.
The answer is 10 h 57 min
